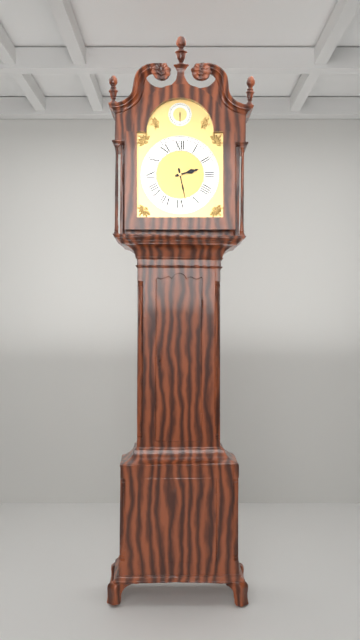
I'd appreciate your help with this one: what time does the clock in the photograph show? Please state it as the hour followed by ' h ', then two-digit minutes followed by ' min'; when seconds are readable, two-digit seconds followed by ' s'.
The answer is 2 h 28 min
